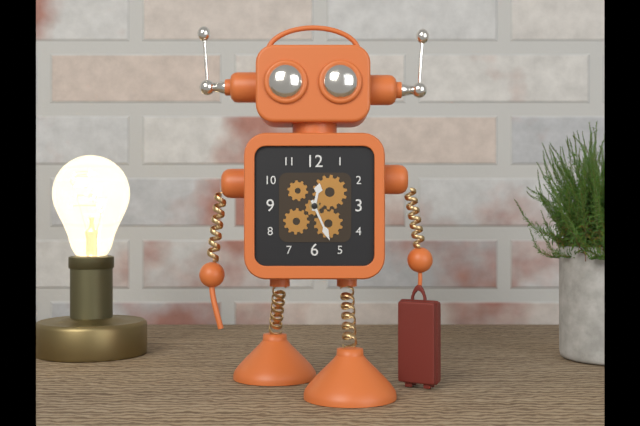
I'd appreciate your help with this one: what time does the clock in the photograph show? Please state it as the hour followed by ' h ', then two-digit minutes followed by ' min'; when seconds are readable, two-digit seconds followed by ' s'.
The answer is 12 h 26 min
